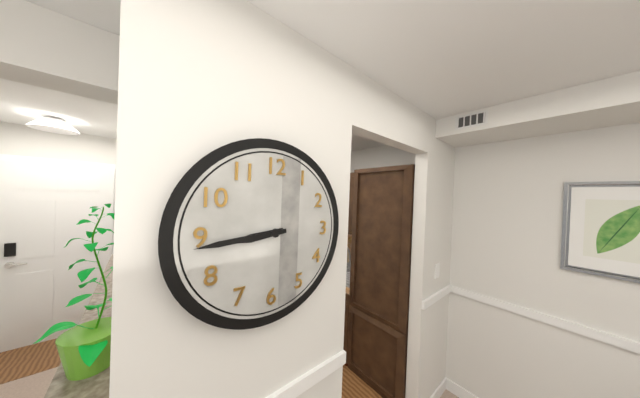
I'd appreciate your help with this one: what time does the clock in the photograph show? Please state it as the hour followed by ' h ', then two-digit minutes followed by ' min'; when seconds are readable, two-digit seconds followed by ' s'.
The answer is 8 h 44 min
